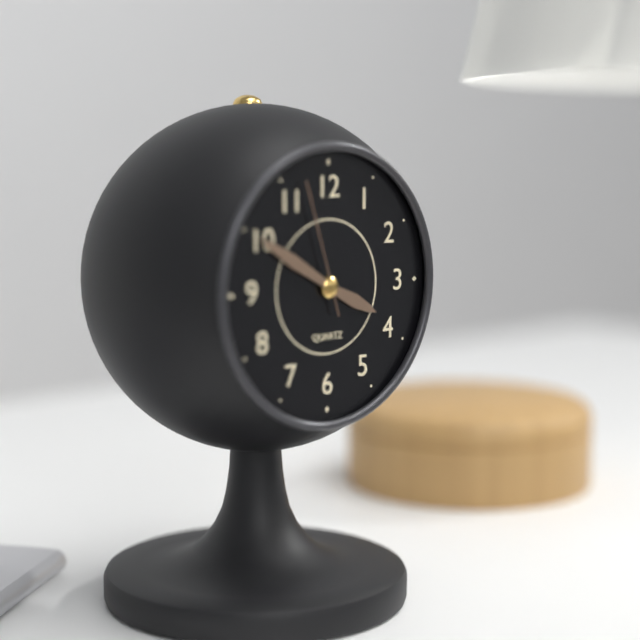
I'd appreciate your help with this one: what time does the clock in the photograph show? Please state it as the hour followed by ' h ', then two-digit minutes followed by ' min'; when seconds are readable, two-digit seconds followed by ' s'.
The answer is 3 h 50 min 57 s
